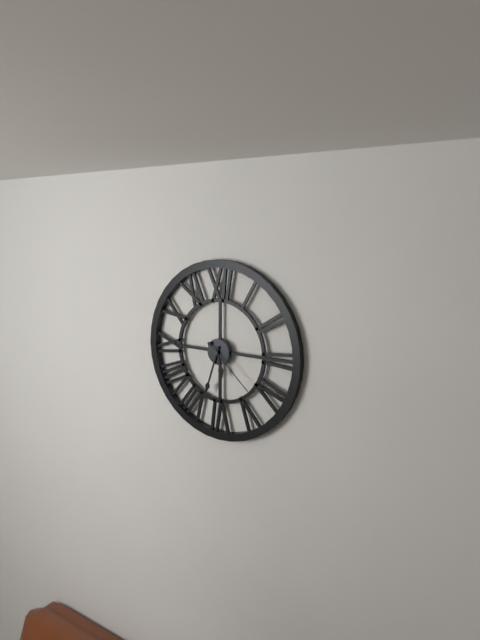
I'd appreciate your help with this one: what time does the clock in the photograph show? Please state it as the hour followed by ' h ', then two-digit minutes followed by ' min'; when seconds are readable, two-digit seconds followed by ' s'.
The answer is 5 h 33 min 22 s
